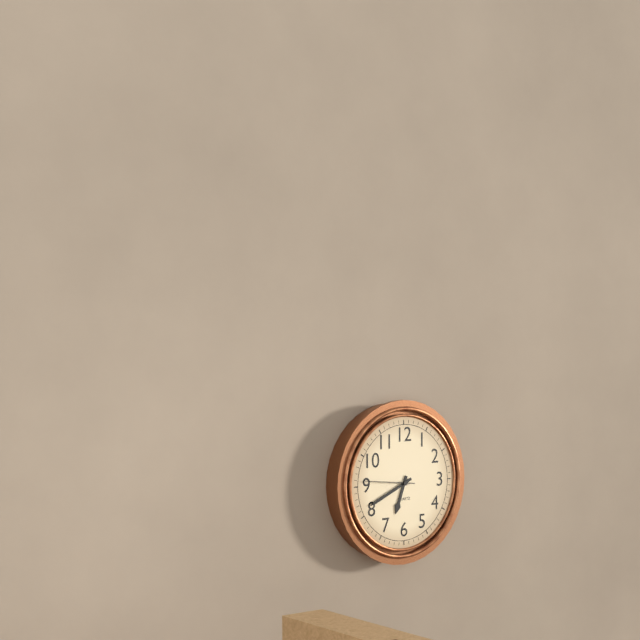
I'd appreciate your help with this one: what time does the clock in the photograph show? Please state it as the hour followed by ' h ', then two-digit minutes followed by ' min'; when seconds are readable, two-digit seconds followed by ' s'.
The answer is 6 h 41 min 46 s
